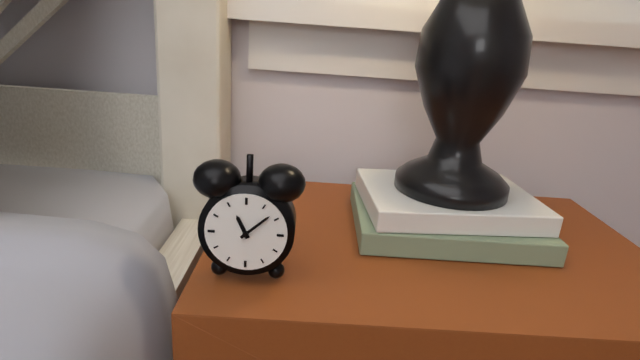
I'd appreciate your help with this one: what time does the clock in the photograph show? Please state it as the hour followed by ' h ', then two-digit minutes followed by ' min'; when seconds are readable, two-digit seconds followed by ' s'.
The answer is 11 h 08 min
